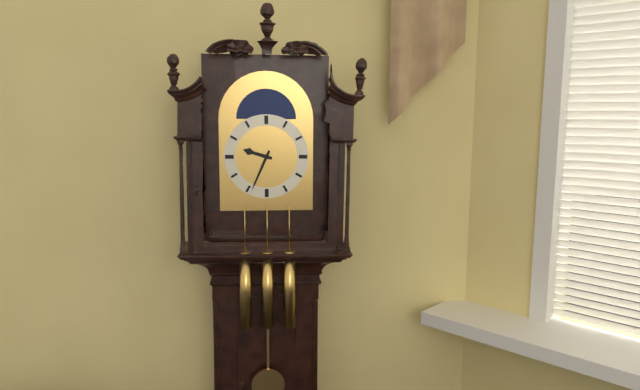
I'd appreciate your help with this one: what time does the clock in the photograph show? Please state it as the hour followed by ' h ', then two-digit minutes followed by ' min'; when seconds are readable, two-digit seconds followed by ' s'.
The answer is 9 h 34 min
